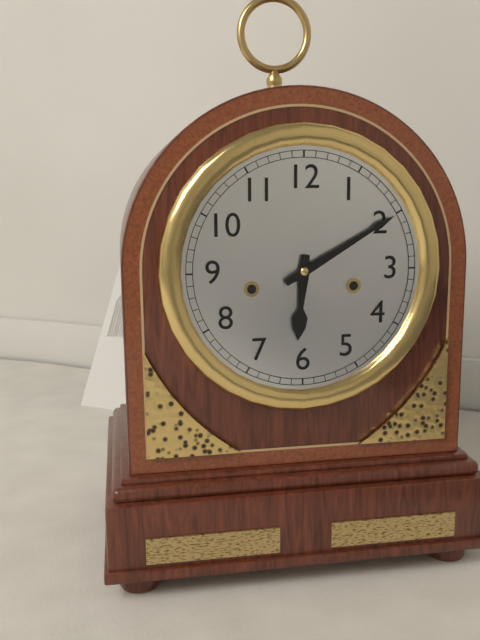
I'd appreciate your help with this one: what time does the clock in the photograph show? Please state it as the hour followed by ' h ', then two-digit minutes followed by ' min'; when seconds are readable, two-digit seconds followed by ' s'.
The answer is 6 h 10 min
